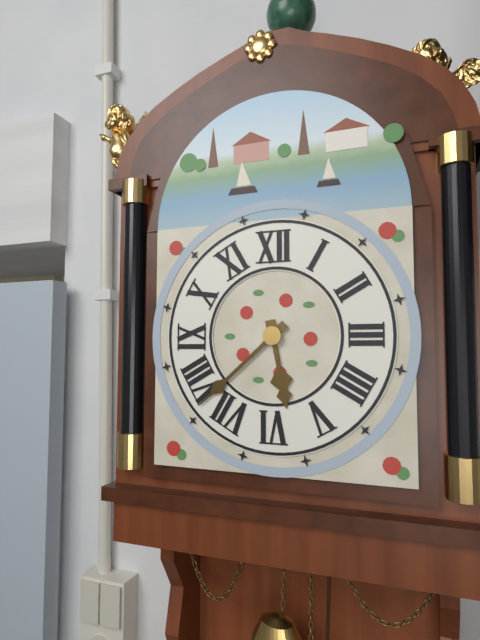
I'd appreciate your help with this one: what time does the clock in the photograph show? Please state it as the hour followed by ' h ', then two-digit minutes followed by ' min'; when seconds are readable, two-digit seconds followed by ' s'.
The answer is 5 h 38 min
